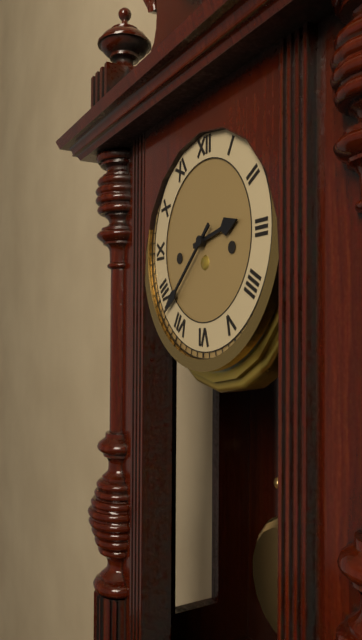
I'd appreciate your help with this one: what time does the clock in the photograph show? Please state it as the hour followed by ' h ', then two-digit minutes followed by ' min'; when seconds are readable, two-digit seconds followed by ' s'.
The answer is 2 h 38 min
